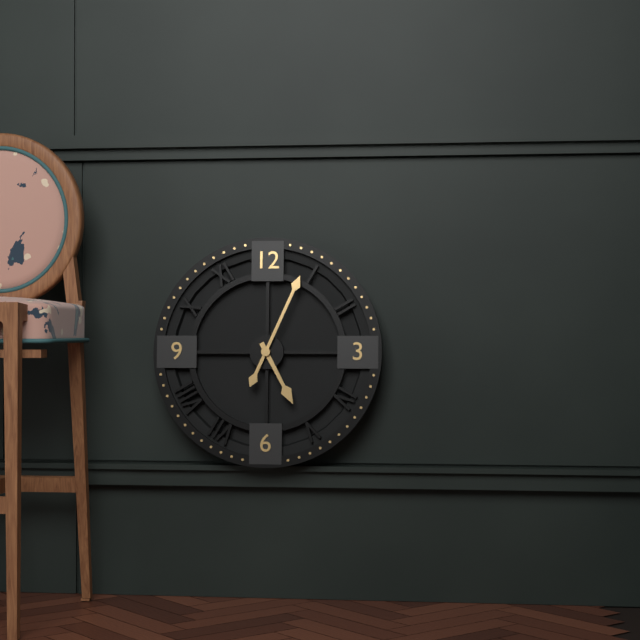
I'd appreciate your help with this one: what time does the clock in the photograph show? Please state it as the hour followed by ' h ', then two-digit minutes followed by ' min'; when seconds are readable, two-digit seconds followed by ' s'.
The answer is 5 h 04 min
